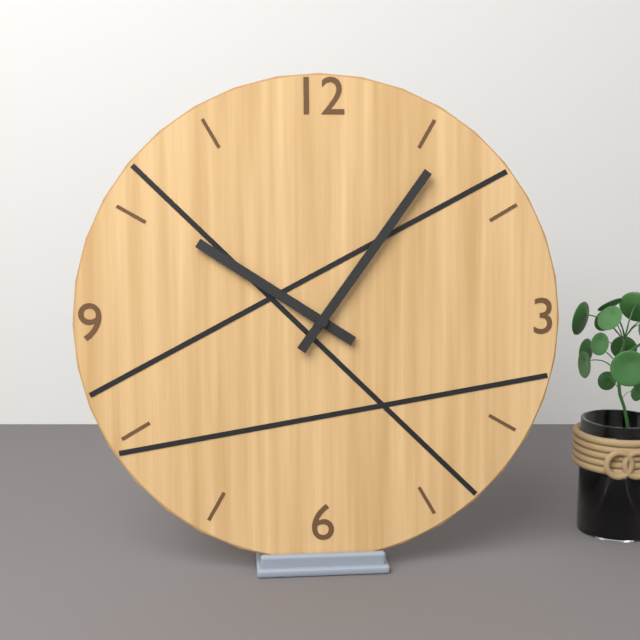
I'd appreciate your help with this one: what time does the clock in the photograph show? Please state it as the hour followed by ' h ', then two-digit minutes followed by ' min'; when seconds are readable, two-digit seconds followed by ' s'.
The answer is 10 h 06 min
